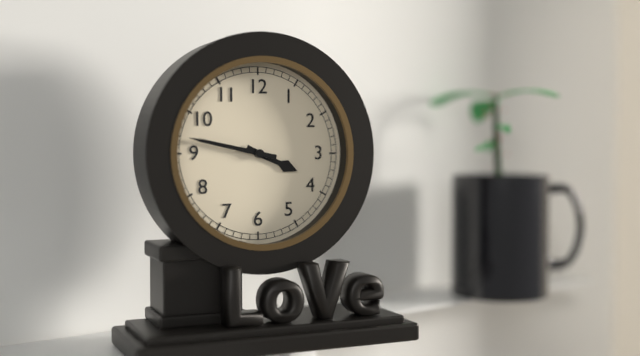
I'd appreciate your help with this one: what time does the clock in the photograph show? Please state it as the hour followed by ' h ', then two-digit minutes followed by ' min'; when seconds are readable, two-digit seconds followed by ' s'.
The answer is 3 h 47 min
